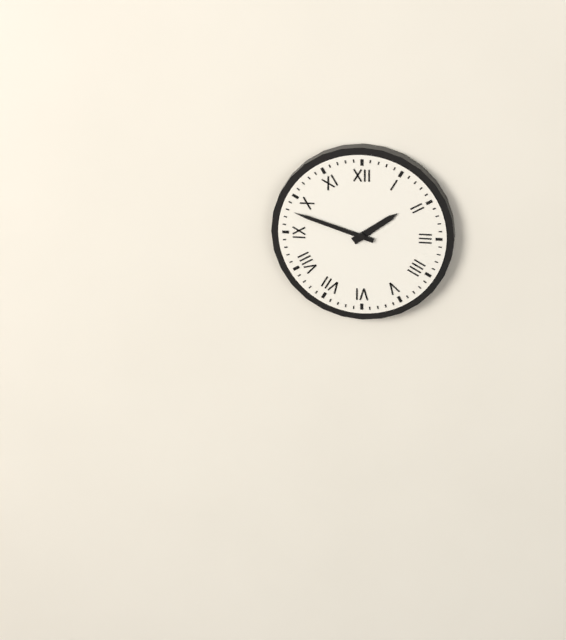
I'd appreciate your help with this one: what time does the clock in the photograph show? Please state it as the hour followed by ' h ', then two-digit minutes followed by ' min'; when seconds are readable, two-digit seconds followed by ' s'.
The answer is 1 h 48 min
